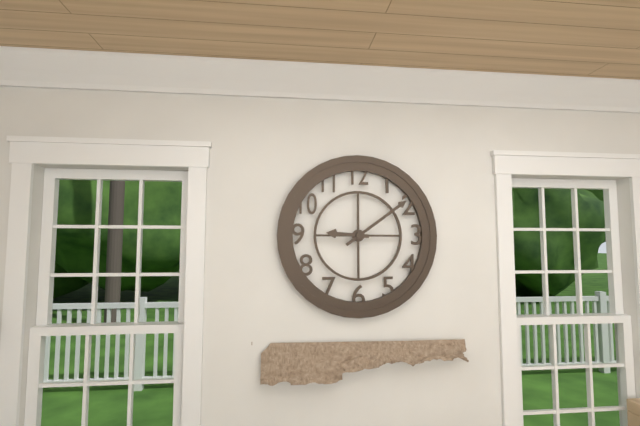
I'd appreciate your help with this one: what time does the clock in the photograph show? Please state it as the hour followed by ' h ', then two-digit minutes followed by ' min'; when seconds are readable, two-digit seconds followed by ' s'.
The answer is 9 h 09 min
